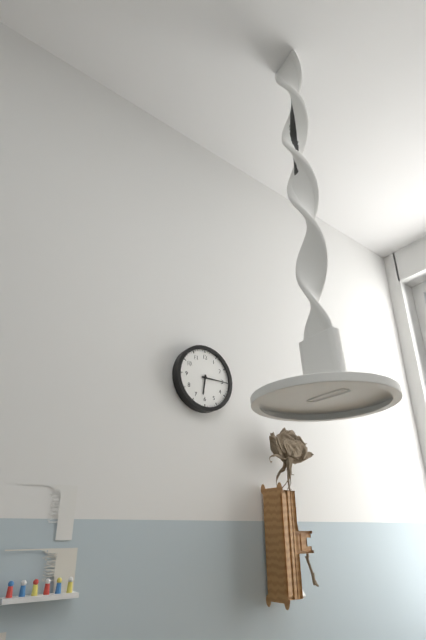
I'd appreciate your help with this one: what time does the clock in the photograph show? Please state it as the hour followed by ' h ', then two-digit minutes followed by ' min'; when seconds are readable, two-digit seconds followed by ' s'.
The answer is 6 h 15 min
